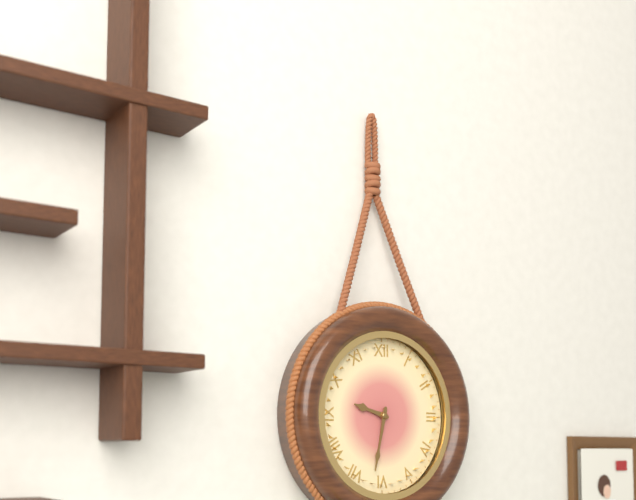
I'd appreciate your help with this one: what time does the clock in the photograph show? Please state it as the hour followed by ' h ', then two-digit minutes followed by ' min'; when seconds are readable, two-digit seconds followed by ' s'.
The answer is 9 h 32 min
